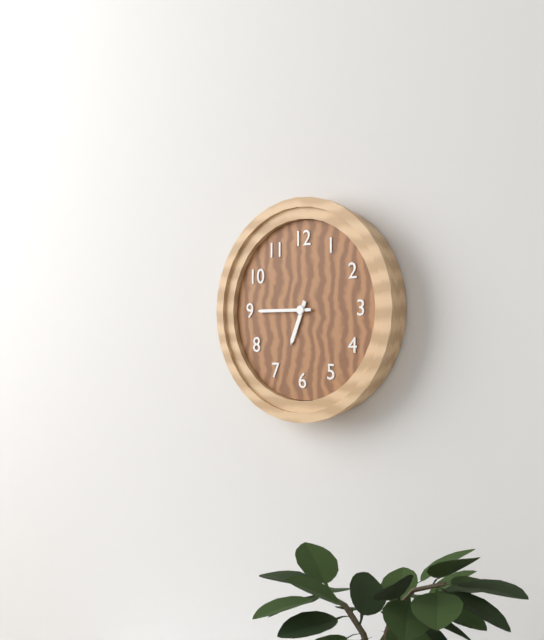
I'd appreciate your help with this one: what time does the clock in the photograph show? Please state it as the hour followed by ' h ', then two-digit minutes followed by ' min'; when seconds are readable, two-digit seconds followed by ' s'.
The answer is 6 h 45 min
